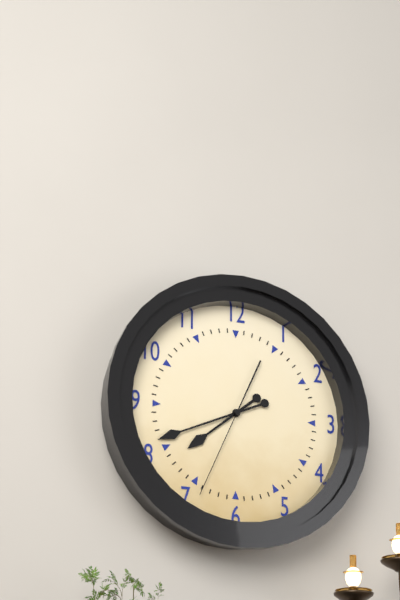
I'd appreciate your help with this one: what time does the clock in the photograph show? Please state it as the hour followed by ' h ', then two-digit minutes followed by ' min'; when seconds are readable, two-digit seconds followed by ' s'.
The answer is 7 h 41 min 34 s
